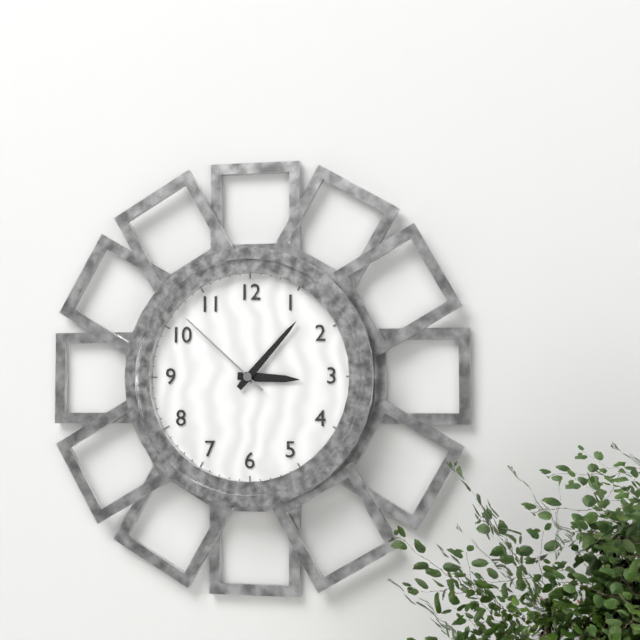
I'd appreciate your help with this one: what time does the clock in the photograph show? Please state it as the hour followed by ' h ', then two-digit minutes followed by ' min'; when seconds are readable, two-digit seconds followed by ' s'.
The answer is 3 h 07 min 52 s
